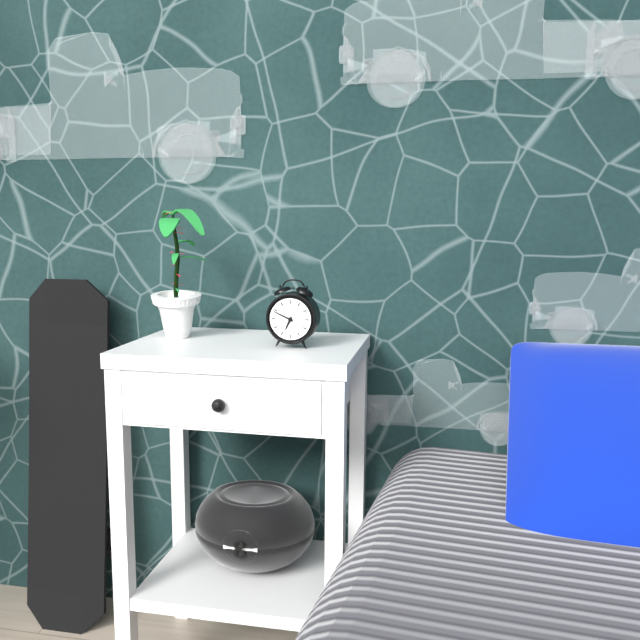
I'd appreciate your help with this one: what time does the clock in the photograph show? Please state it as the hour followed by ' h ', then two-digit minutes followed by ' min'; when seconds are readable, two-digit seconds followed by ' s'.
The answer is 6 h 49 min
